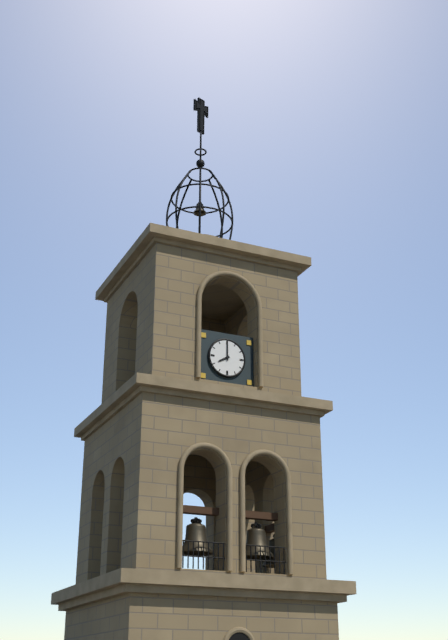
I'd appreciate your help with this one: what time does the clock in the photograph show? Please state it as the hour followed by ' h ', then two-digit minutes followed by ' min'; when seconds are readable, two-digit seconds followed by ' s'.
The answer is 8 h 00 min
